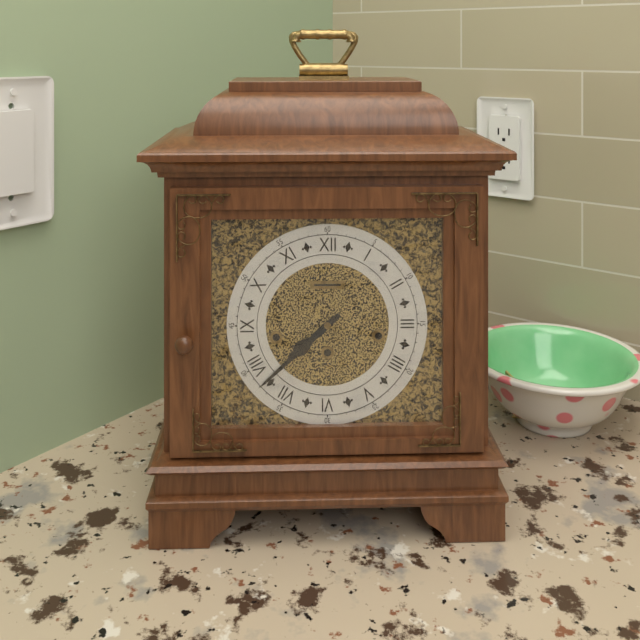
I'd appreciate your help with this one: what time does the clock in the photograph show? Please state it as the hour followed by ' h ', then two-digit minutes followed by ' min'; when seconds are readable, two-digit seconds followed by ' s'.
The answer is 7 h 38 min
